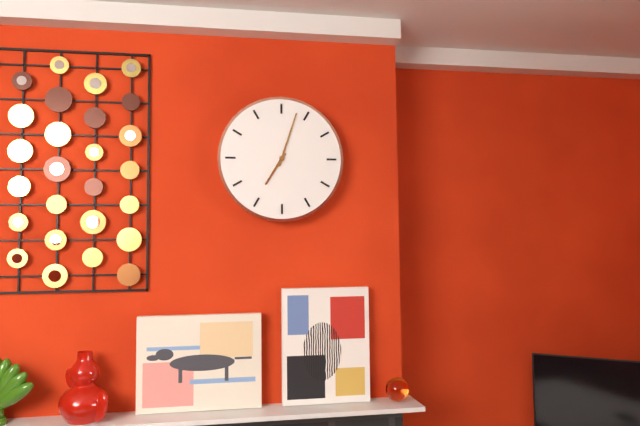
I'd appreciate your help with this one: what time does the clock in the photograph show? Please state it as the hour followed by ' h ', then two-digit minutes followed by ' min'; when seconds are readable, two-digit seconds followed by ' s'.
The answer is 7 h 03 min
